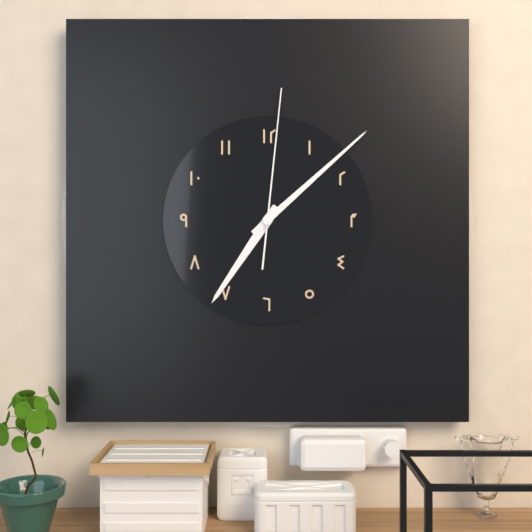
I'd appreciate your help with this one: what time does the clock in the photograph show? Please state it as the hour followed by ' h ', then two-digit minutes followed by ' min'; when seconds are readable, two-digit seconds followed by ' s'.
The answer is 7 h 08 min 01 s
